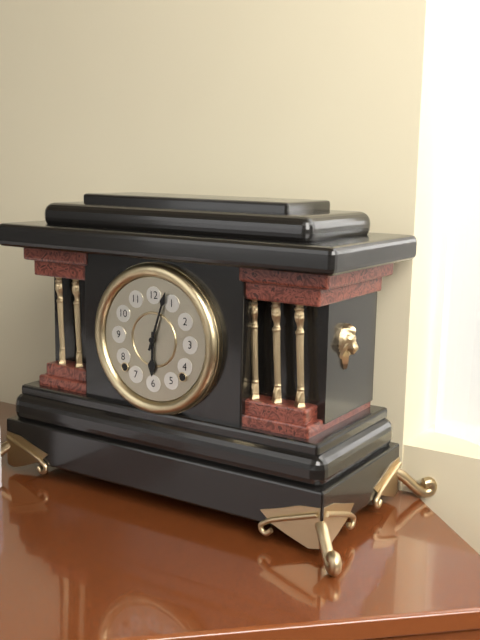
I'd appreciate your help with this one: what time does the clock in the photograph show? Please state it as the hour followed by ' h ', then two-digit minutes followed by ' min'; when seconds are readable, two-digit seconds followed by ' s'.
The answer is 6 h 03 min
